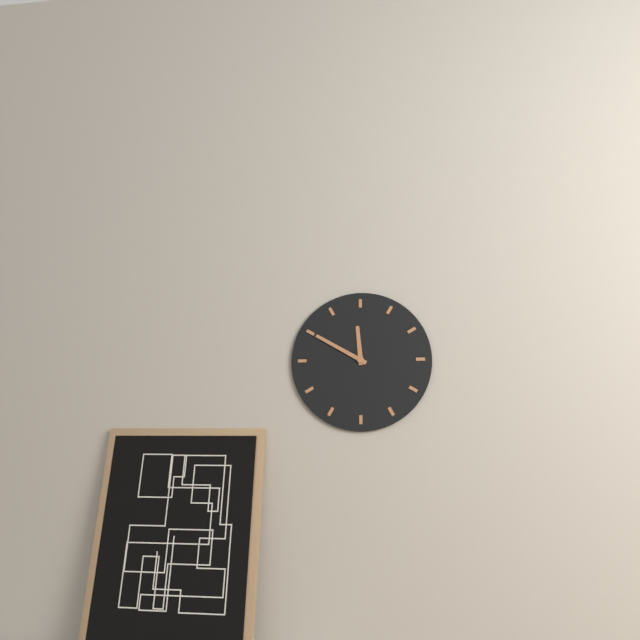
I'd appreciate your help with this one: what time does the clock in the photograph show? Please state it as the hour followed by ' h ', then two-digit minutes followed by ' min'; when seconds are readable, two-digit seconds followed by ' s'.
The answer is 11 h 50 min
